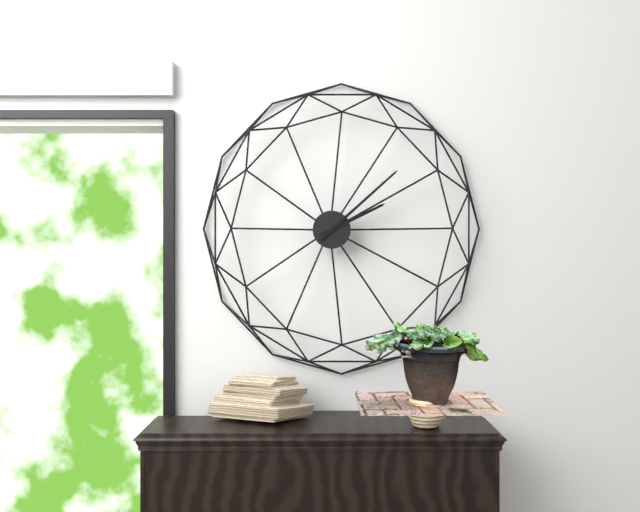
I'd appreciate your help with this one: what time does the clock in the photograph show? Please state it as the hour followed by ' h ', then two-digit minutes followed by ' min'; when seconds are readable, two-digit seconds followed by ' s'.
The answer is 2 h 08 min
